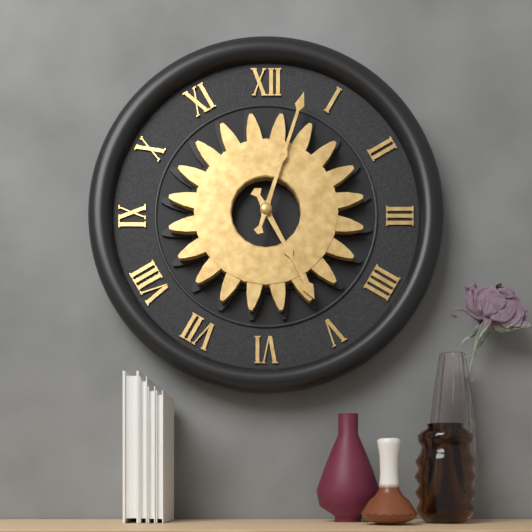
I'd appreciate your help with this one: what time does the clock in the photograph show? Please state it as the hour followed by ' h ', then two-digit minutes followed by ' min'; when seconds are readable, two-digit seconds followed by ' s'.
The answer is 5 h 03 min
